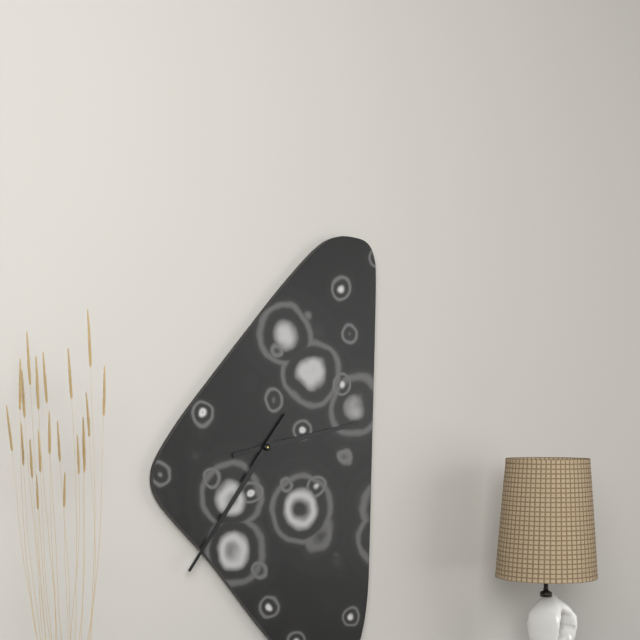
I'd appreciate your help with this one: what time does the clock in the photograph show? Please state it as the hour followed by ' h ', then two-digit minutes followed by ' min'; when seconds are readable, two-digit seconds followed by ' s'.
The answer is 2 h 36 min
